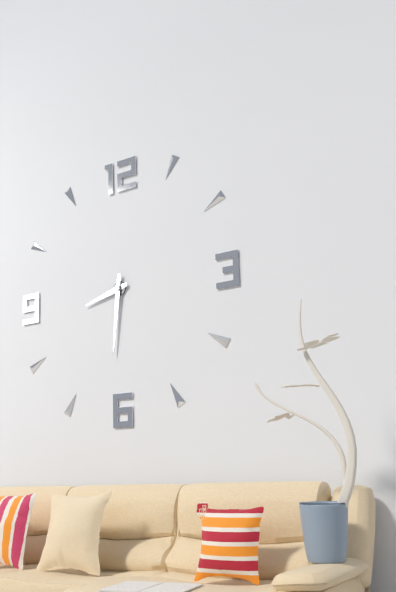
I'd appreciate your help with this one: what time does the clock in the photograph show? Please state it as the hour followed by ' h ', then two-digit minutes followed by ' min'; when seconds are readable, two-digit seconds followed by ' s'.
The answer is 8 h 31 min
